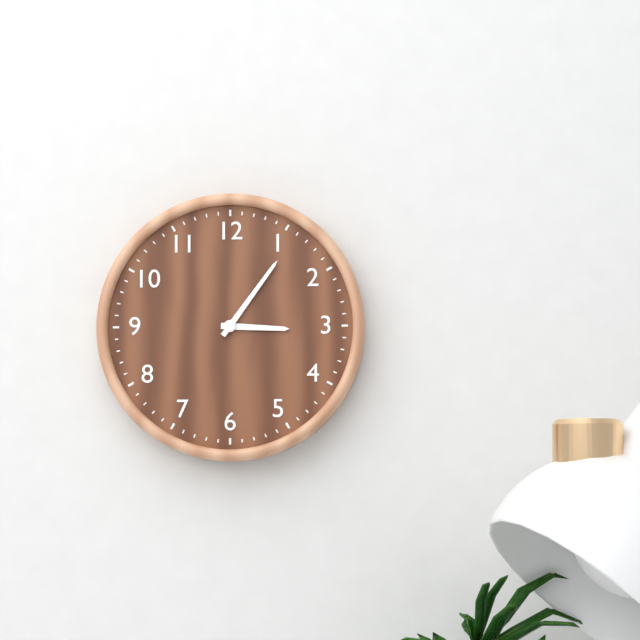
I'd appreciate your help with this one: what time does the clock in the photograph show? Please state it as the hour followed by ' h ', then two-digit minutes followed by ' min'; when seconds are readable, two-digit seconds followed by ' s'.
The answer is 3 h 06 min
